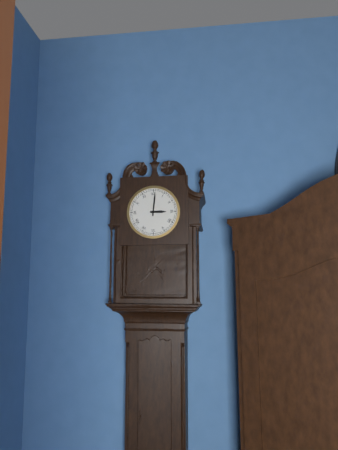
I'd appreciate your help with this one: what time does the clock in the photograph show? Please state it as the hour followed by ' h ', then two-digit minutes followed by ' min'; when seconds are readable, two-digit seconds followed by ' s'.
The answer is 3 h 01 min
